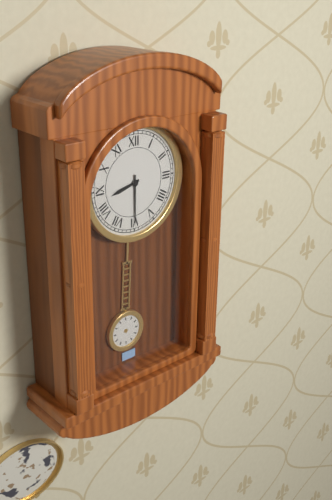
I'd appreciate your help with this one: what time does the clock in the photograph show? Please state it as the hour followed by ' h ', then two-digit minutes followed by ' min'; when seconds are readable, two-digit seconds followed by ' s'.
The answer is 8 h 30 min
